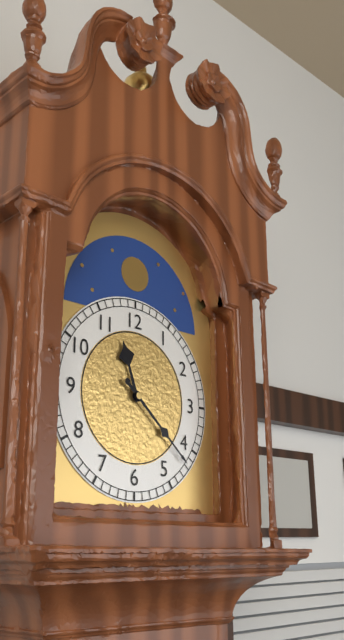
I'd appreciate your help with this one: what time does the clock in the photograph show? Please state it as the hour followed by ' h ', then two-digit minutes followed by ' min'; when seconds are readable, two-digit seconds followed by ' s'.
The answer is 11 h 22 min
